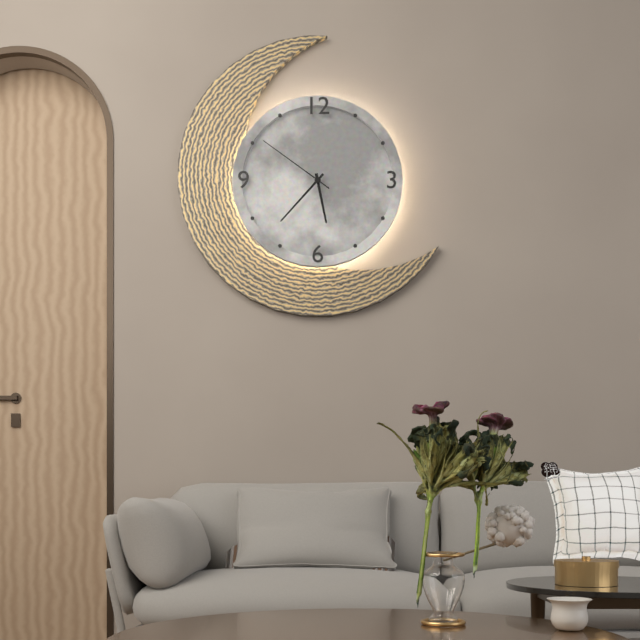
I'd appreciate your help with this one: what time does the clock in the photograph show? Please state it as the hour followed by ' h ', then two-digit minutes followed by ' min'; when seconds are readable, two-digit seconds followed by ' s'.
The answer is 5 h 37 min 51 s
